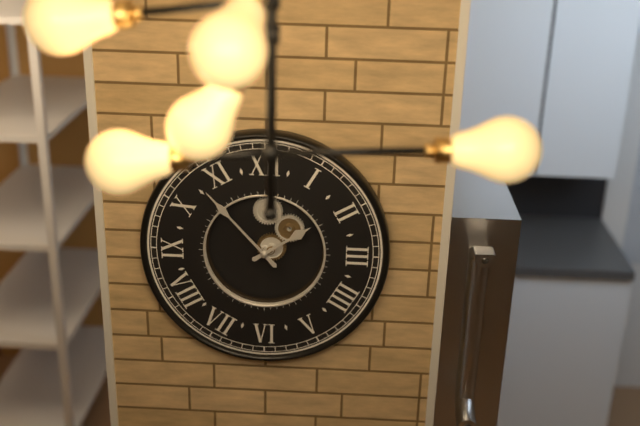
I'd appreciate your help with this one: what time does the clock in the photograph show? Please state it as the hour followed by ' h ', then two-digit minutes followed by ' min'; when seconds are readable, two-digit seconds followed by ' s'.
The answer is 1 h 53 min
